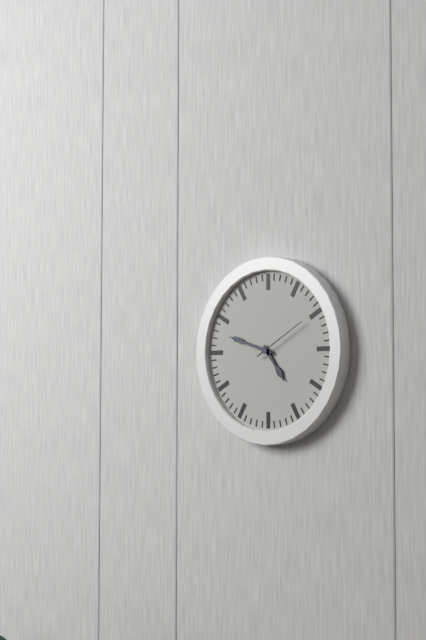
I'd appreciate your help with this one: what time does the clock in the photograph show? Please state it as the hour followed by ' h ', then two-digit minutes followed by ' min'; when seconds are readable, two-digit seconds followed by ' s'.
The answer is 4 h 48 min 10 s
